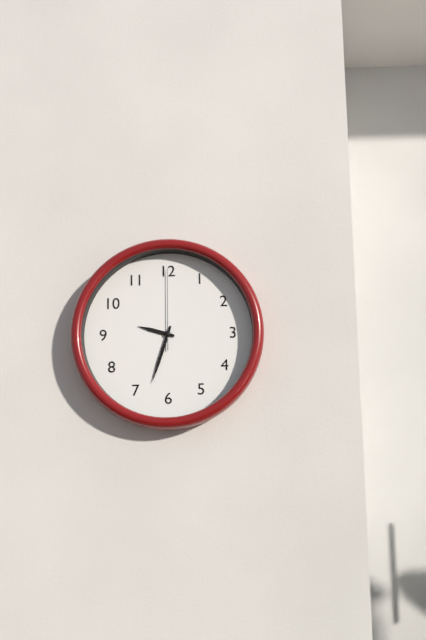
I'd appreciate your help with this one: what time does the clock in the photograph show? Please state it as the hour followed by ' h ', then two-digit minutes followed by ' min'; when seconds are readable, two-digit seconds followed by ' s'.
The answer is 9 h 33 min 00 s
